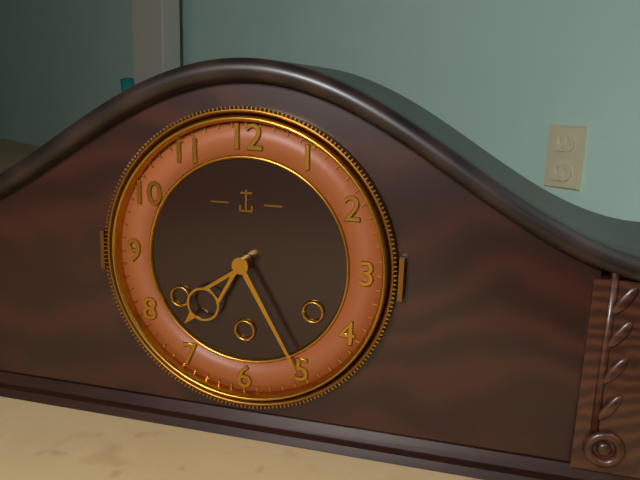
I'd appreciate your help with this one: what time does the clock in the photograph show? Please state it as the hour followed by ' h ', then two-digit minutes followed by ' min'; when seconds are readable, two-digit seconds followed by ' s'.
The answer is 7 h 25 min
